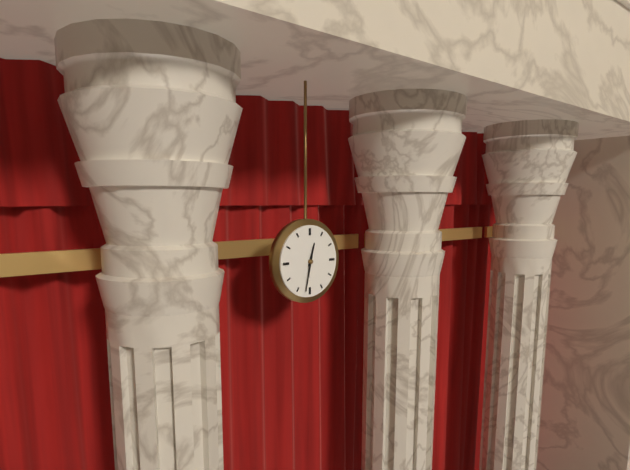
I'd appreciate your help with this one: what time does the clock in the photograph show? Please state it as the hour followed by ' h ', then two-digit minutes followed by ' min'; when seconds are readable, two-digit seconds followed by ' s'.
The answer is 12 h 32 min
